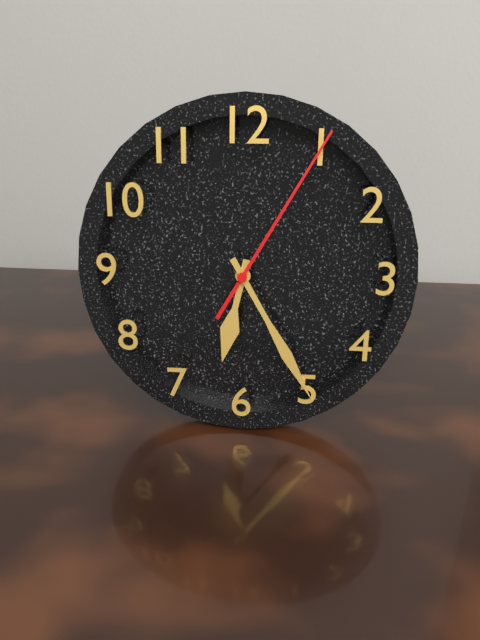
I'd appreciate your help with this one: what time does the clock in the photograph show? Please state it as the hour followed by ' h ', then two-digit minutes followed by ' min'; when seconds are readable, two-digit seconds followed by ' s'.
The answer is 6 h 25 min 05 s
